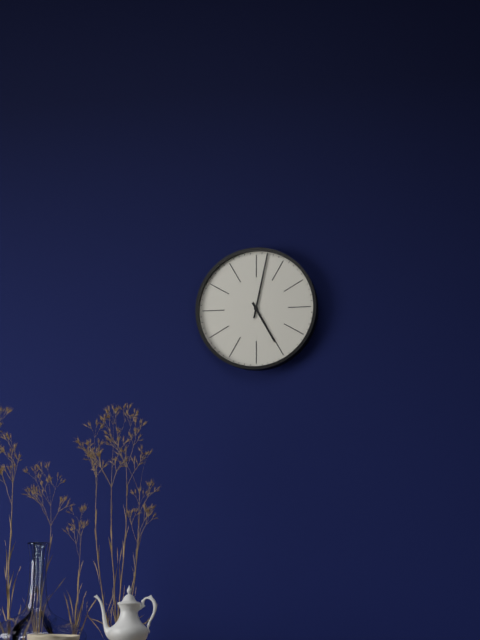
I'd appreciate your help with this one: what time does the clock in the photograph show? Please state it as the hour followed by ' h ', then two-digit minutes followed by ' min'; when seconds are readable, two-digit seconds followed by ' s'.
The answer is 5 h 02 min
